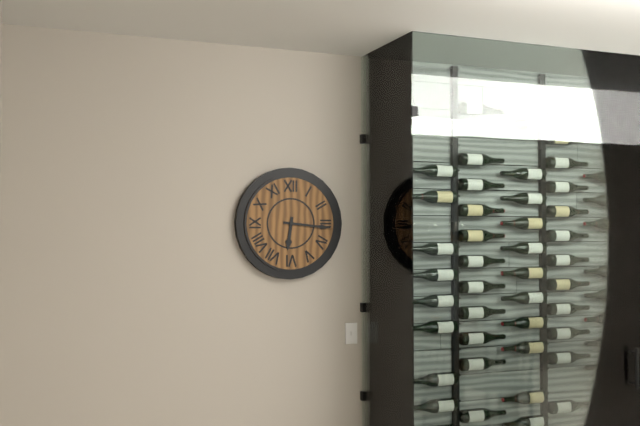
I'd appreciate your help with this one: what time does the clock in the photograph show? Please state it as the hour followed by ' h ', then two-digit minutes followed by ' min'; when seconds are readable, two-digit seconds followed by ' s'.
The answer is 6 h 16 min
